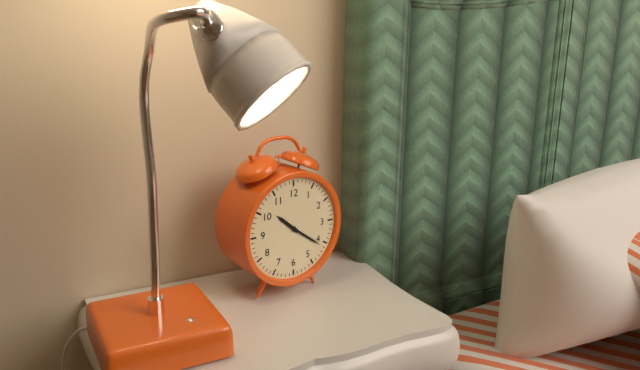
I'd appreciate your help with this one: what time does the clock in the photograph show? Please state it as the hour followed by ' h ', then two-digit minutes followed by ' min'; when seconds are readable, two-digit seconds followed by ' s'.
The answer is 10 h 21 min
